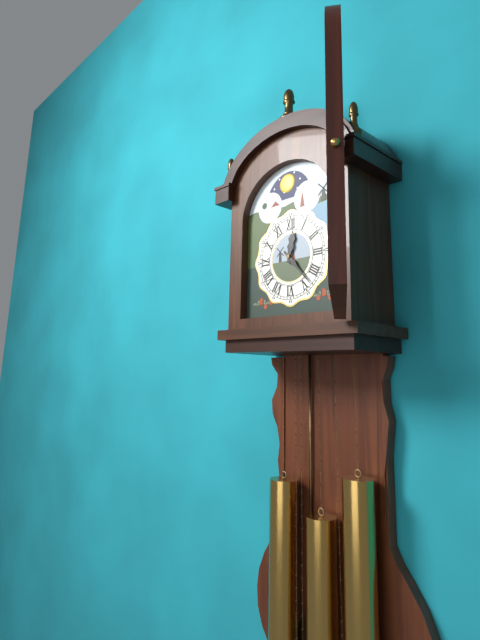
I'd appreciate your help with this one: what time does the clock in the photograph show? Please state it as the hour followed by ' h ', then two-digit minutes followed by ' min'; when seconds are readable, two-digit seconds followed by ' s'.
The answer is 12 h 23 min
